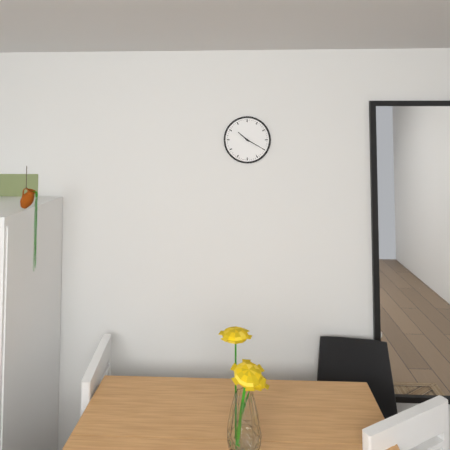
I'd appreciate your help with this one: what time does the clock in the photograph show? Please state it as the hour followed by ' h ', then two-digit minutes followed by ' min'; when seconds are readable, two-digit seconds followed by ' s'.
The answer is 10 h 20 min
